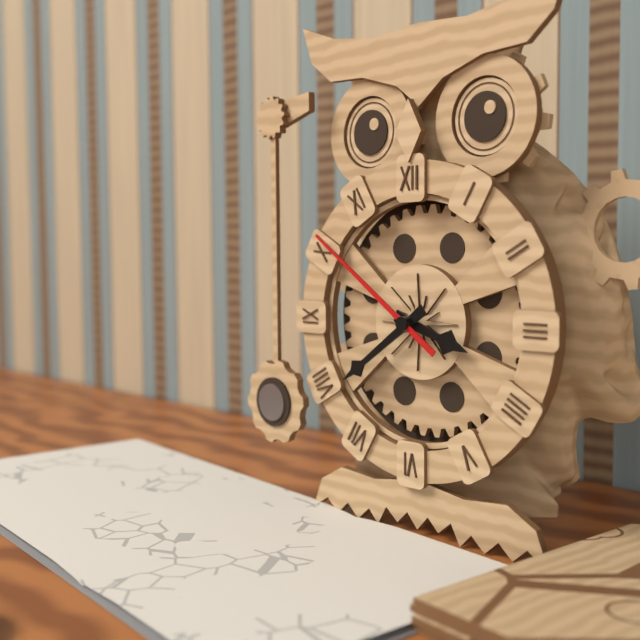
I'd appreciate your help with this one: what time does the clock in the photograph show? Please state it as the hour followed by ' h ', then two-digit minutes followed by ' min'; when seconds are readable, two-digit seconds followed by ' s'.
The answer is 3 h 39 min 51 s
